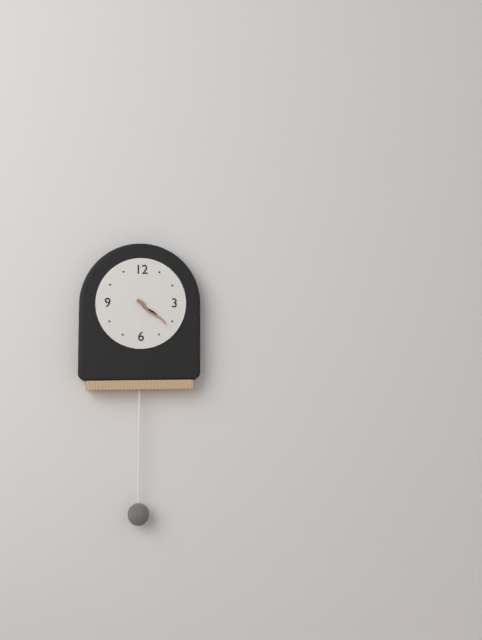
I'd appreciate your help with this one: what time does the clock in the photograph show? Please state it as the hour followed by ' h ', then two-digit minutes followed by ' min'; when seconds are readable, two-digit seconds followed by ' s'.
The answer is 4 h 22 min
